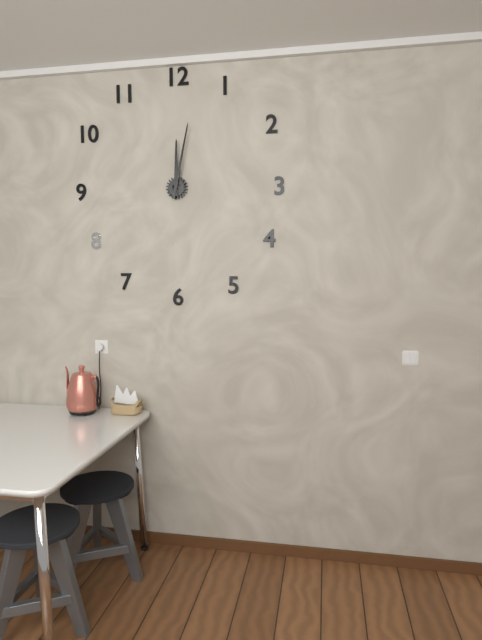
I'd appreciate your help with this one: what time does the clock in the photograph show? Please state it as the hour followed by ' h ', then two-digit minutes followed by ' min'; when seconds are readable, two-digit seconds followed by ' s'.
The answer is 12 h 02 min
